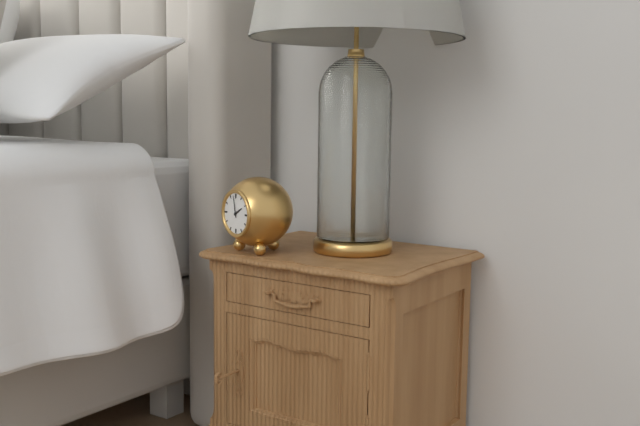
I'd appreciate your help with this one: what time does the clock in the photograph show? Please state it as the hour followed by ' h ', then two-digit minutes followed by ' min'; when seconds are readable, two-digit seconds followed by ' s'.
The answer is 1 h 58 min
